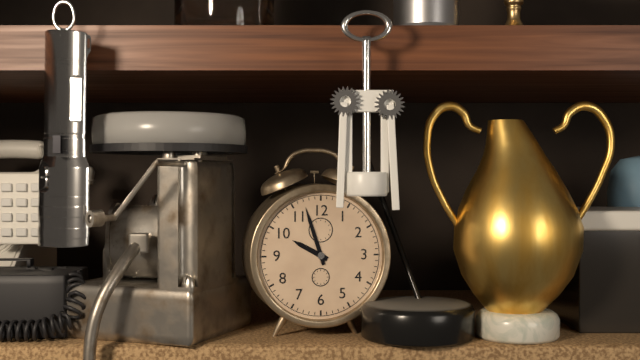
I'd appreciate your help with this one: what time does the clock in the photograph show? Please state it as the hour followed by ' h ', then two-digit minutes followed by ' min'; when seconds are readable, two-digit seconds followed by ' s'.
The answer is 9 h 57 min
